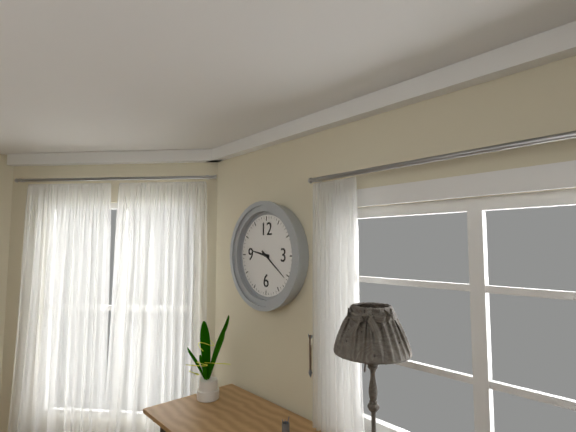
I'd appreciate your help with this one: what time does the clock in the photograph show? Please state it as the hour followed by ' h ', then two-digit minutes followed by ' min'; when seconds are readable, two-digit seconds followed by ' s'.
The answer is 9 h 21 min
